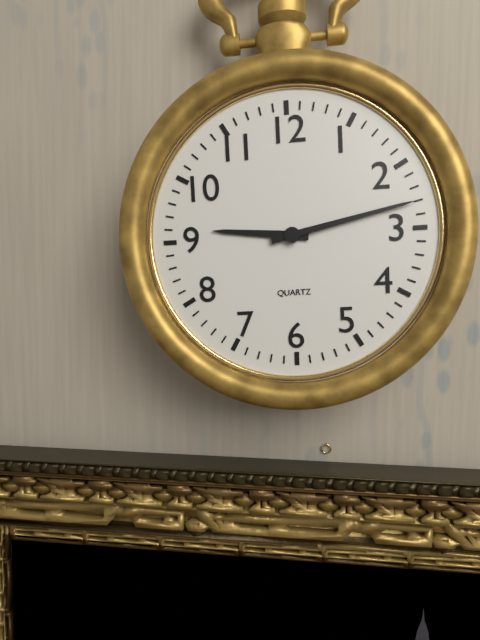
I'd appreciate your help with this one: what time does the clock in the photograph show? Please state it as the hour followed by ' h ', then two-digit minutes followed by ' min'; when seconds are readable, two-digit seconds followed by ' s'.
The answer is 9 h 13 min
